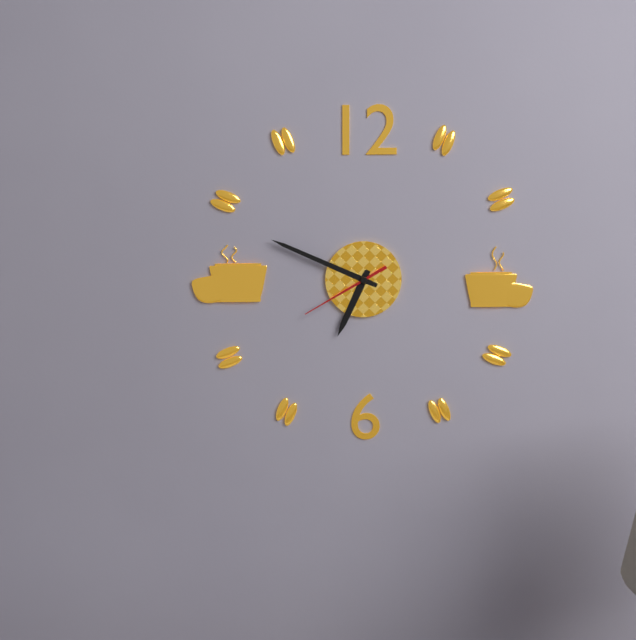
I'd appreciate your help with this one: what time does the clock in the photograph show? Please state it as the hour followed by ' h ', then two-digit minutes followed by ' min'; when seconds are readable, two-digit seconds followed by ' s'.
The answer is 6 h 49 min 40 s
